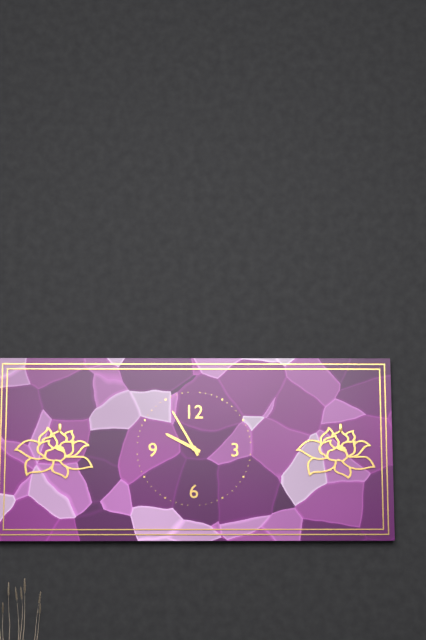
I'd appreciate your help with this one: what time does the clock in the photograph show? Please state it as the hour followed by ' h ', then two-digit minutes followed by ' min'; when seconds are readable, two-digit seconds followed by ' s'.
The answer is 9 h 55 min
